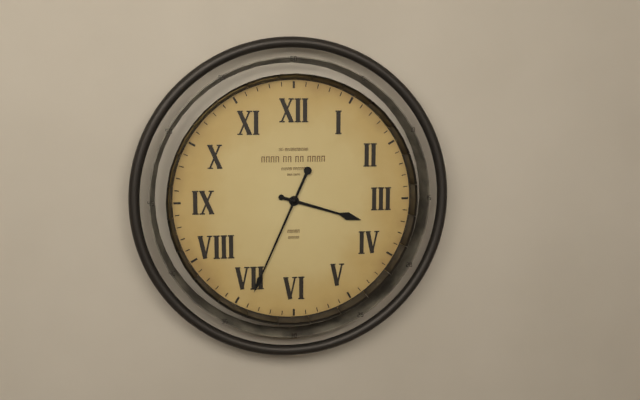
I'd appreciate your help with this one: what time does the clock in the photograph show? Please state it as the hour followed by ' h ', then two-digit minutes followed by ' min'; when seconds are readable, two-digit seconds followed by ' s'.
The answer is 3 h 34 min
